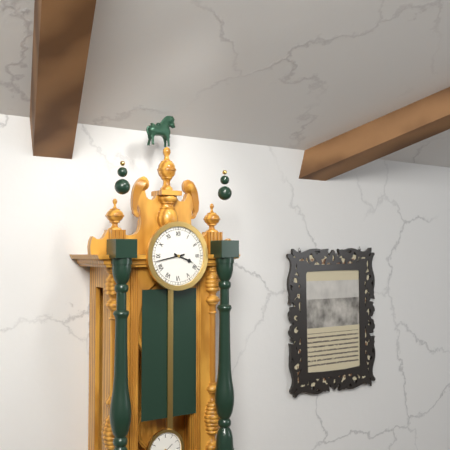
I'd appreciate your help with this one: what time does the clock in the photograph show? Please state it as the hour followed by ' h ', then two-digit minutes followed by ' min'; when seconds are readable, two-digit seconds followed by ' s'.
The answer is 3 h 43 min
